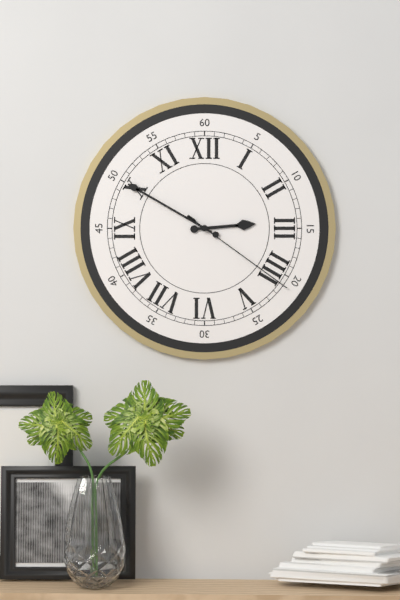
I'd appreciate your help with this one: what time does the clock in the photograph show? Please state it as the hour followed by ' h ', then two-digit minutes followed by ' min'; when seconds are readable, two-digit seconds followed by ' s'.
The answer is 2 h 50 min 21 s
